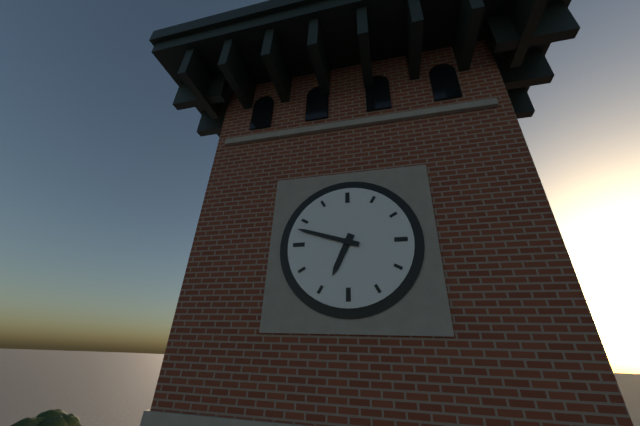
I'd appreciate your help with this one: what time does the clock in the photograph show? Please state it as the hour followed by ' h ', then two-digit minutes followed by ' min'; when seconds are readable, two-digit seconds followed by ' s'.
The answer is 6 h 48 min
